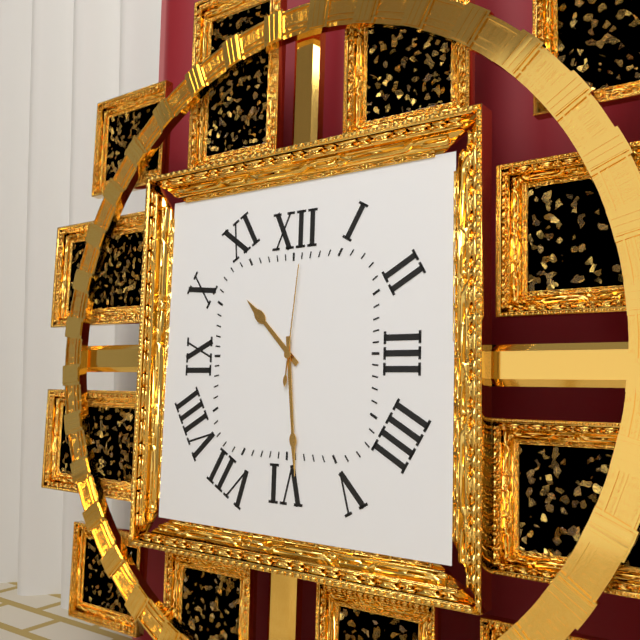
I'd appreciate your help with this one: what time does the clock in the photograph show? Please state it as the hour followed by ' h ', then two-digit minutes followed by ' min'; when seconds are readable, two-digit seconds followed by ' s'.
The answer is 10 h 29 min 01 s
